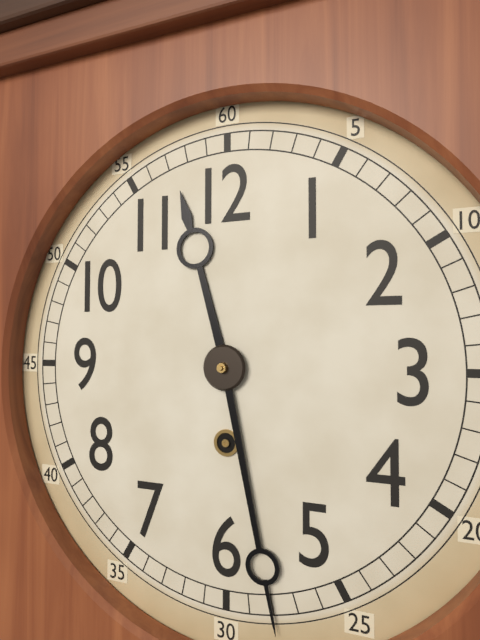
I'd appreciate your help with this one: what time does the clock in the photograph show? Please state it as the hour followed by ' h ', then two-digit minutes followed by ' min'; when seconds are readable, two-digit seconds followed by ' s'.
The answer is 11 h 28 min
